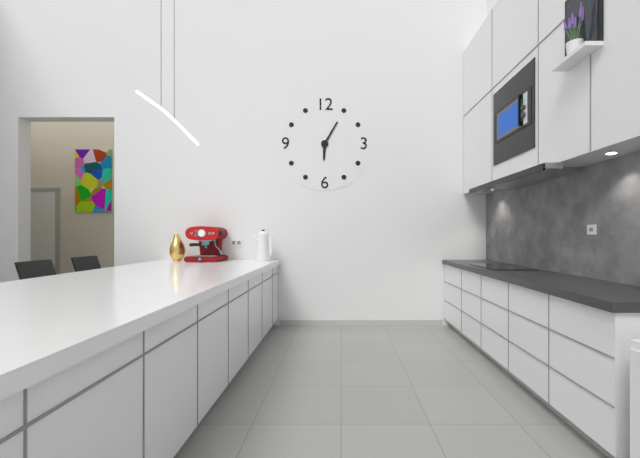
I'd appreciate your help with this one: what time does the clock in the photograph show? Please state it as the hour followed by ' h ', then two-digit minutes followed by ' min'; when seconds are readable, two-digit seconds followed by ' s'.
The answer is 6 h 05 min
